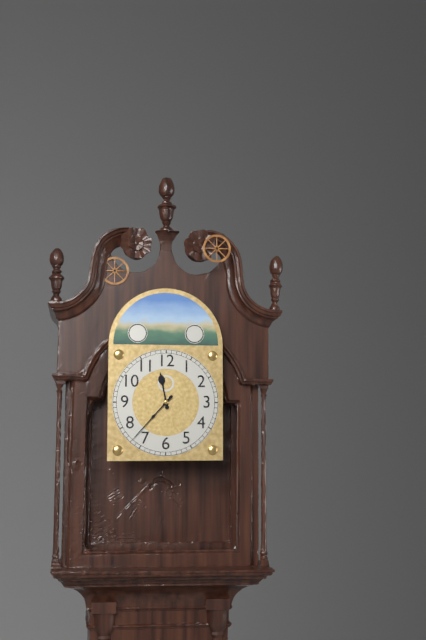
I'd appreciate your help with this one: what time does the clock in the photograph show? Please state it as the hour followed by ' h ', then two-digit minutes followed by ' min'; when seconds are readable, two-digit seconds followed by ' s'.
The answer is 11 h 37 min
